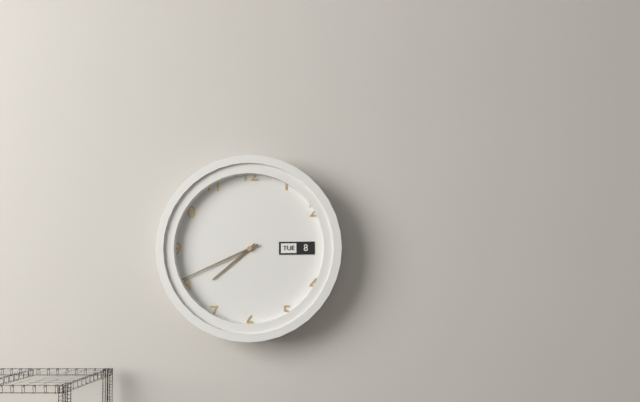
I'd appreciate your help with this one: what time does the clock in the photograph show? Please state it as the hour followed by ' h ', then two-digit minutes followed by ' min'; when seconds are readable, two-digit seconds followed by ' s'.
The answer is 7 h 41 min
